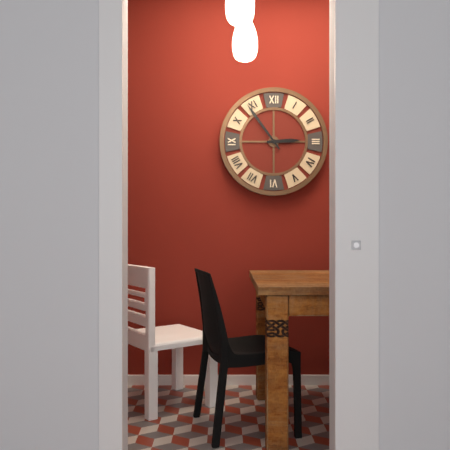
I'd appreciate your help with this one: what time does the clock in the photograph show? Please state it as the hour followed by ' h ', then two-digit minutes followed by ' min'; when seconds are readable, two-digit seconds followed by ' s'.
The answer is 2 h 54 min
